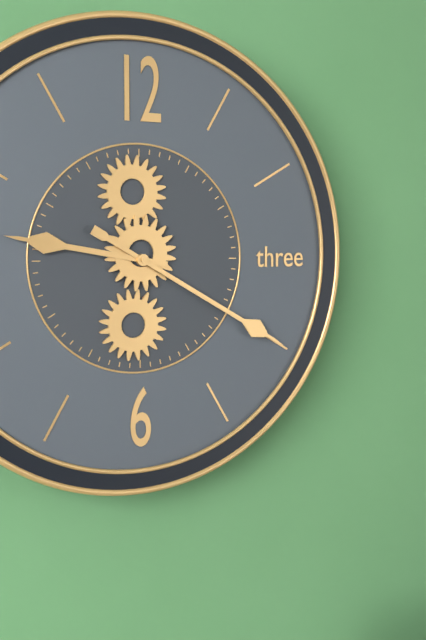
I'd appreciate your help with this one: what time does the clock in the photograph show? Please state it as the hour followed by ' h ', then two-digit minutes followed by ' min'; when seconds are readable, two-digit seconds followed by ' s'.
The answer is 9 h 20 min
